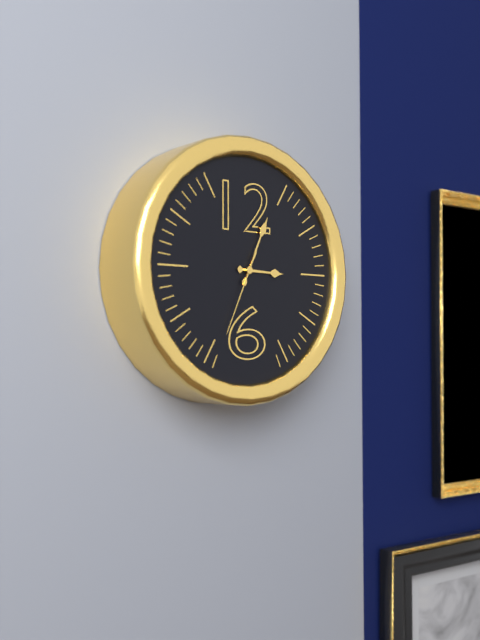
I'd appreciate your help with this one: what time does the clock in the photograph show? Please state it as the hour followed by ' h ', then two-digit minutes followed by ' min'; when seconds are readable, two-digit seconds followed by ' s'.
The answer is 3 h 04 min 34 s
